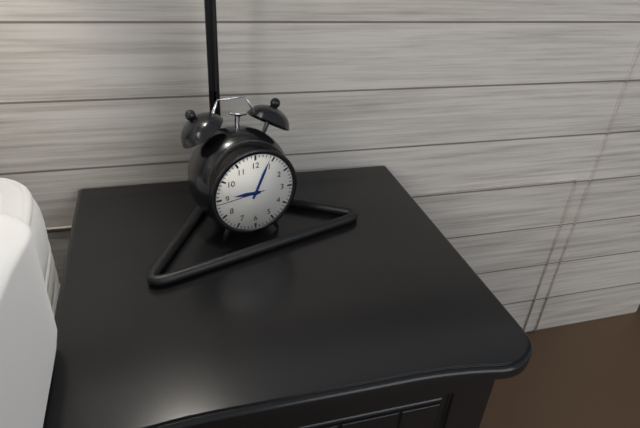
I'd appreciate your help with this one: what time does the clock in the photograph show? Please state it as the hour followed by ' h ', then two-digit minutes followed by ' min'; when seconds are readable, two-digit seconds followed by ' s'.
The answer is 9 h 04 min
